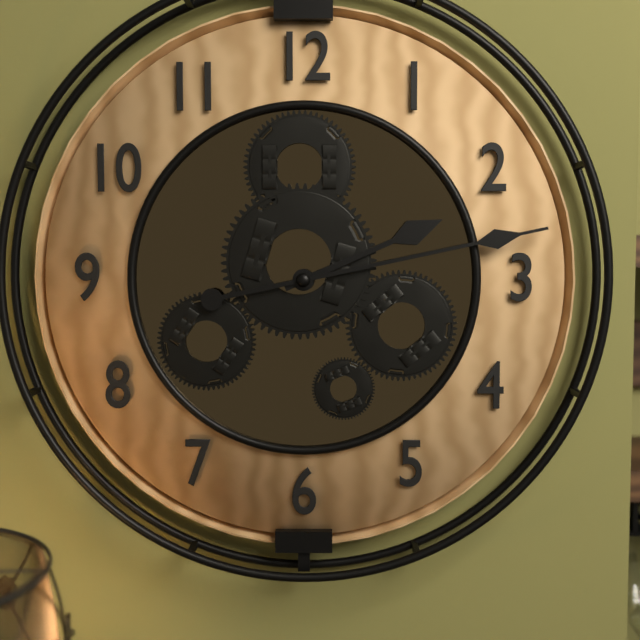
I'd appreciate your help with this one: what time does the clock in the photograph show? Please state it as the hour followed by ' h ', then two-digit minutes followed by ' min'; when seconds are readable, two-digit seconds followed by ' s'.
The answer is 2 h 13 min
